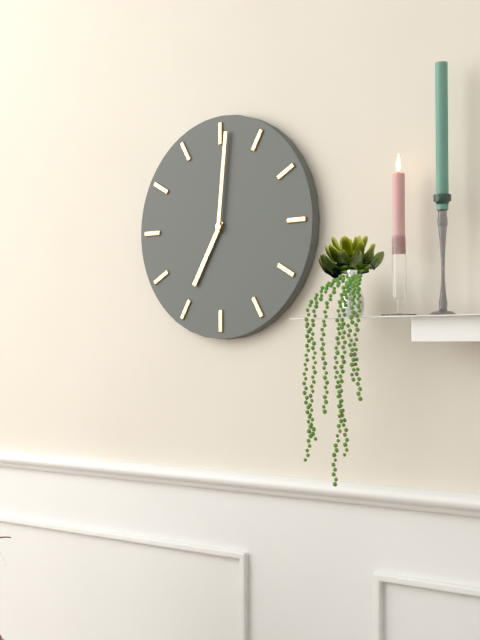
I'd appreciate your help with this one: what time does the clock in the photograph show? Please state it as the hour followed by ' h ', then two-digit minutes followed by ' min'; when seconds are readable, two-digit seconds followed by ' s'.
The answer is 7 h 01 min
